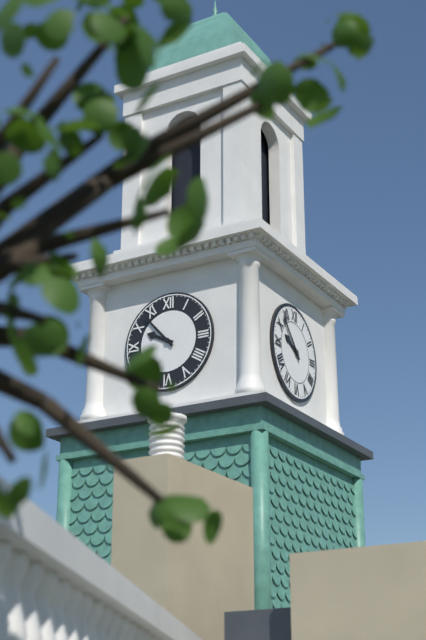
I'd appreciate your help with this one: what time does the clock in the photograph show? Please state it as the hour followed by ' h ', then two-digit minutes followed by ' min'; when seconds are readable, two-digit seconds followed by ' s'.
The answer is 9 h 53 min
